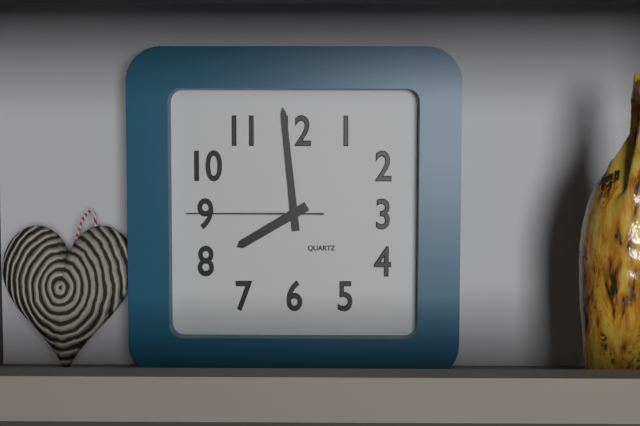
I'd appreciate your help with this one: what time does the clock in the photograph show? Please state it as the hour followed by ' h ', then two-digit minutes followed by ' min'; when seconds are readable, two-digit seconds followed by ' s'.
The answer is 7 h 59 min 45 s
